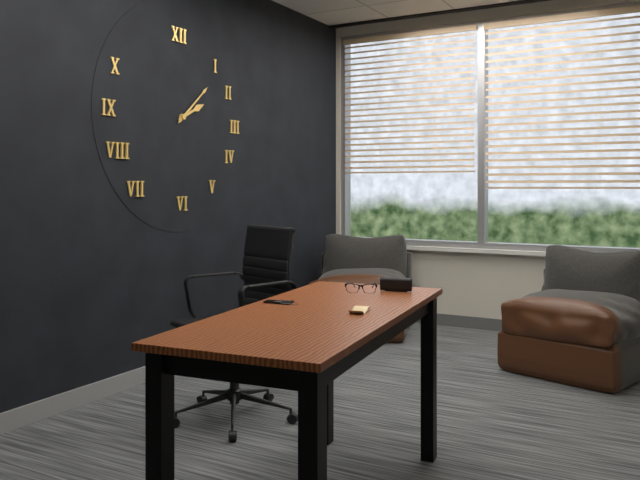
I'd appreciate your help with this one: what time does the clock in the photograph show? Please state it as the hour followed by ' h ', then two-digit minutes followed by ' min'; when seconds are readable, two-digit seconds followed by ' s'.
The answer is 2 h 08 min
